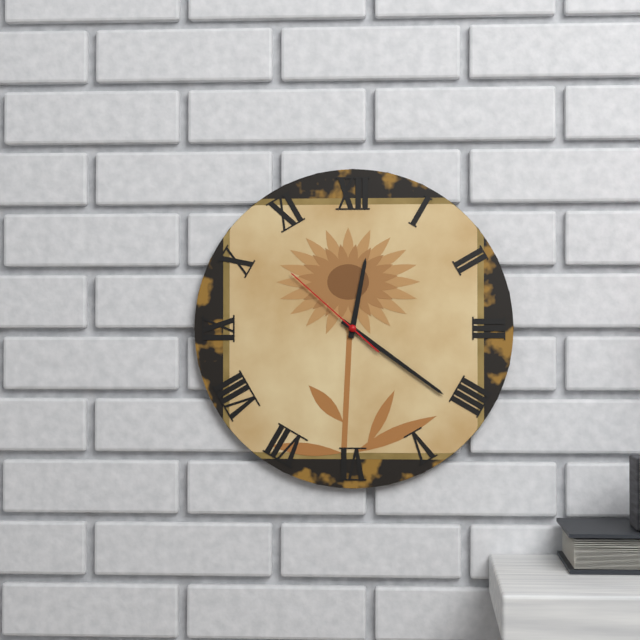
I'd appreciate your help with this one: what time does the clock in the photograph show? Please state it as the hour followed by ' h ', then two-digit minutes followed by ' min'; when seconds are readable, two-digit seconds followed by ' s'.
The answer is 12 h 21 min 52 s
